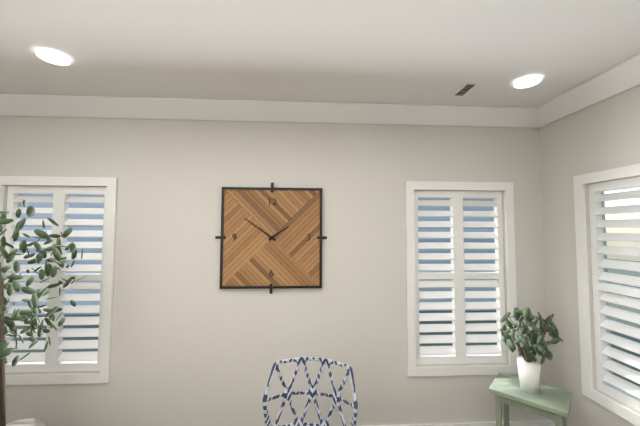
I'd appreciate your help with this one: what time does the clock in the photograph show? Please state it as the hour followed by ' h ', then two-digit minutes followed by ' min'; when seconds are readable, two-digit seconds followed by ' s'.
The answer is 1 h 51 min
